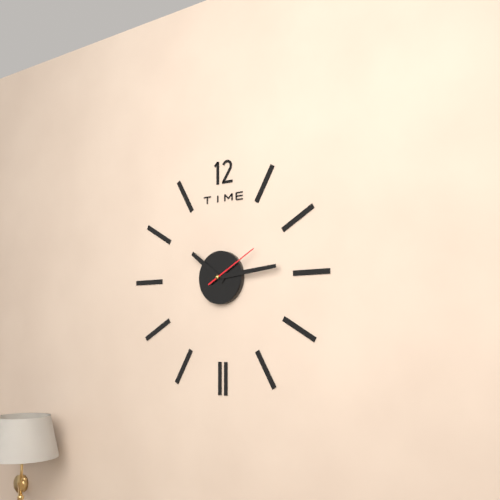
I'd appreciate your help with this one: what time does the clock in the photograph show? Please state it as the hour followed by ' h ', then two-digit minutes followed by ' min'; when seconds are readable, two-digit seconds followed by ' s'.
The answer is 10 h 14 min 10 s
